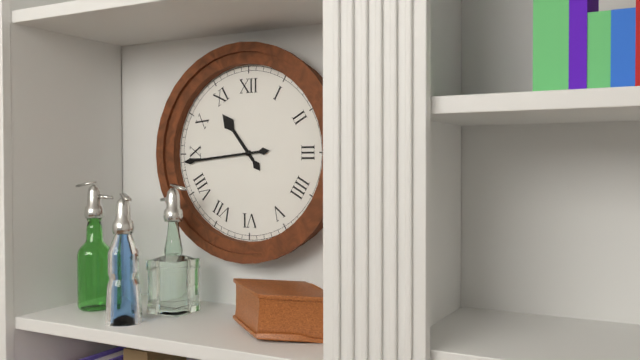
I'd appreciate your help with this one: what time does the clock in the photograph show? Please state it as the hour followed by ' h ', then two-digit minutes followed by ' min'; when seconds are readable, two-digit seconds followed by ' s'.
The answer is 10 h 44 min
